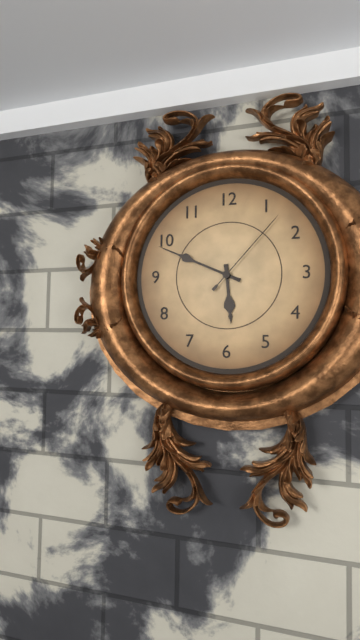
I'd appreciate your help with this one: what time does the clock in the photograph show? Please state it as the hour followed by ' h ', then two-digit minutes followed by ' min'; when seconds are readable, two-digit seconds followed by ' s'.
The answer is 5 h 49 min 07 s
